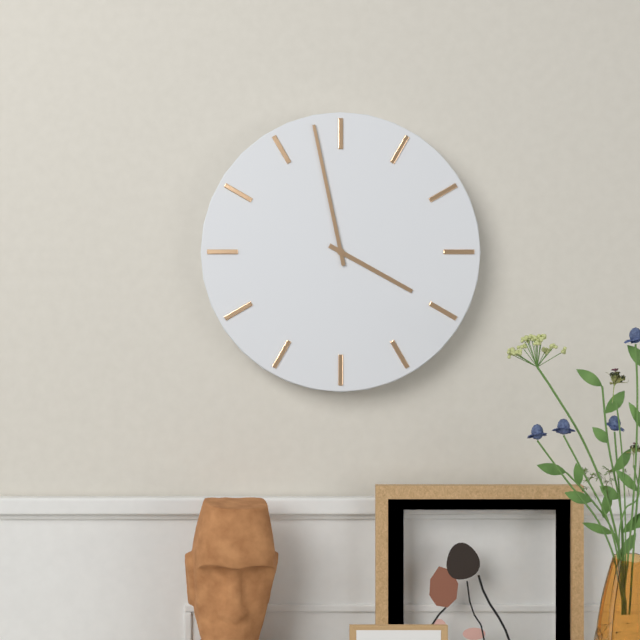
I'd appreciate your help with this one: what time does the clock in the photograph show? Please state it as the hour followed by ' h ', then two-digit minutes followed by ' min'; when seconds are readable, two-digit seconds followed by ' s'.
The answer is 3 h 58 min
